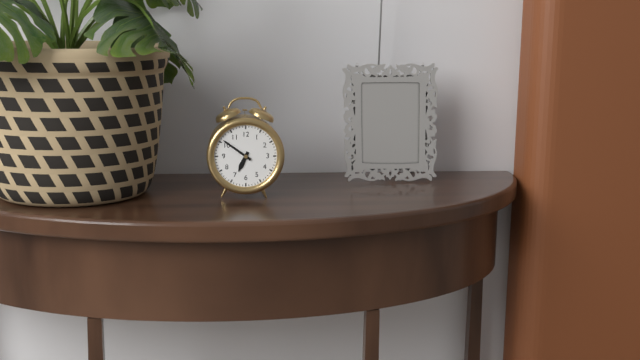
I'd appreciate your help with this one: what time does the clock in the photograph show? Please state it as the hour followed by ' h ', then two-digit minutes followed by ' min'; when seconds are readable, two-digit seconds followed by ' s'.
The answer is 6 h 51 min
